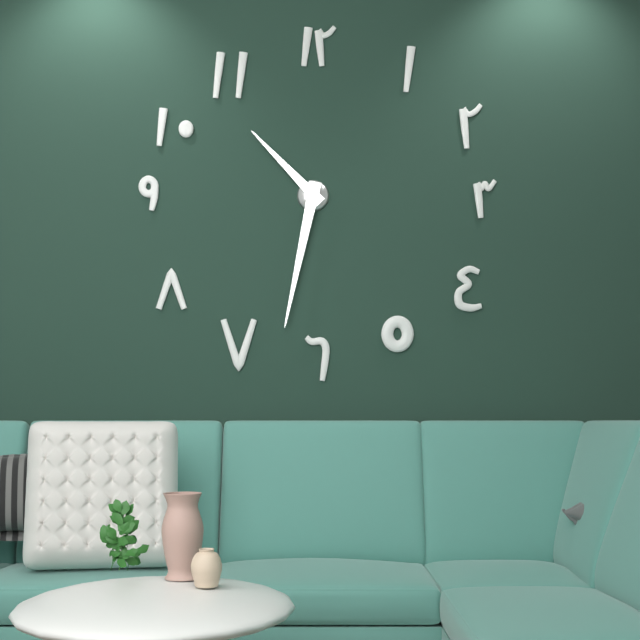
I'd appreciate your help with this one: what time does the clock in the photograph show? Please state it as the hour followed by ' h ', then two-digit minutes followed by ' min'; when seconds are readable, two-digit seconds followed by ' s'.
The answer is 10 h 32 min
